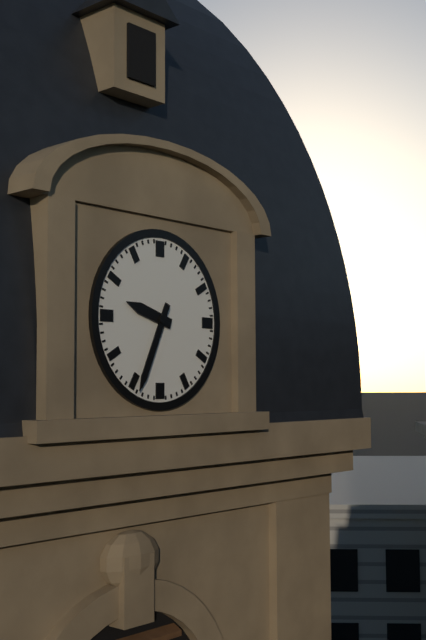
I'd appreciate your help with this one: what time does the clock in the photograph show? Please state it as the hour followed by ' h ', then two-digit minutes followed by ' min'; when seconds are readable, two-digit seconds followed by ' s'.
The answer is 9 h 34 min
